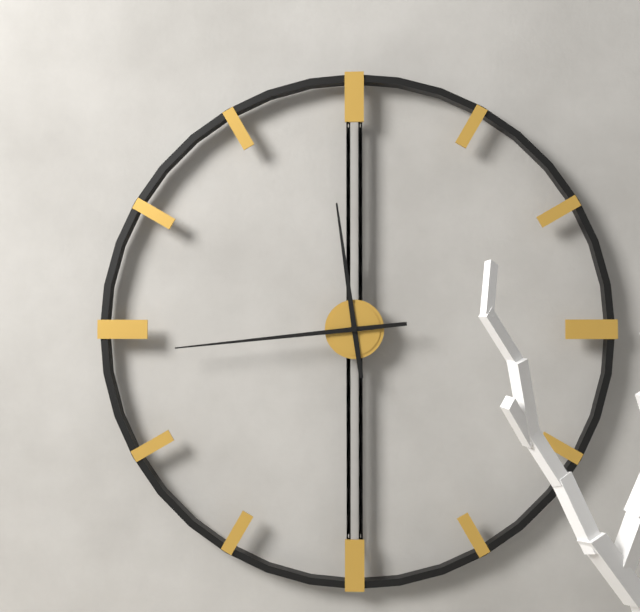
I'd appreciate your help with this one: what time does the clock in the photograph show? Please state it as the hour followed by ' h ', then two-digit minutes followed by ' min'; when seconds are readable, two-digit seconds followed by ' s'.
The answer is 11 h 44 min
